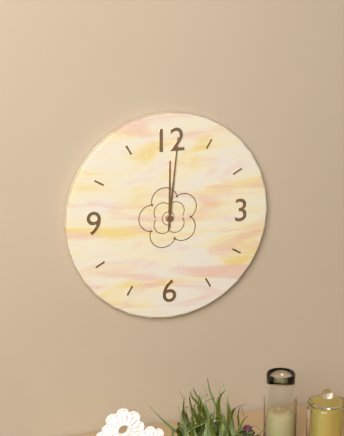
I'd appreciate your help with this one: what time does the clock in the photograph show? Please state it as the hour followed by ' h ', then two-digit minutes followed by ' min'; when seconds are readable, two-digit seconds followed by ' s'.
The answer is 12 h 01 min
